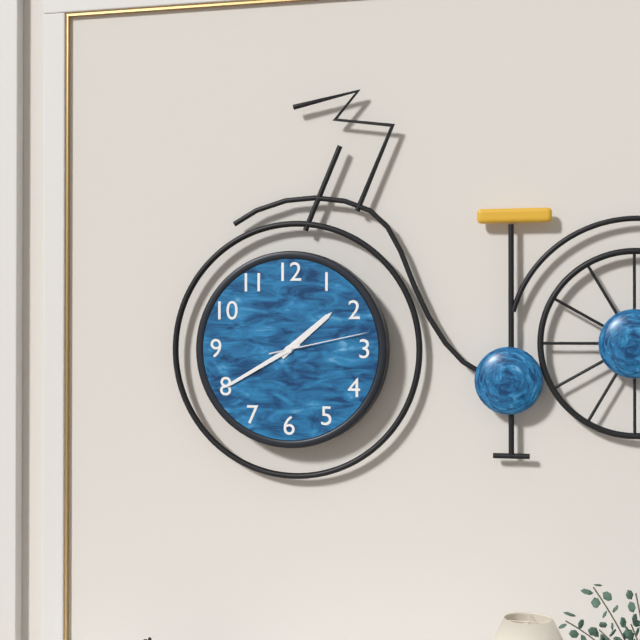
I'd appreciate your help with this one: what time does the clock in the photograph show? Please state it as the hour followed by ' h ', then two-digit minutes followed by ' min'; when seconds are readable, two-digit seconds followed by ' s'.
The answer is 1 h 40 min 13 s
